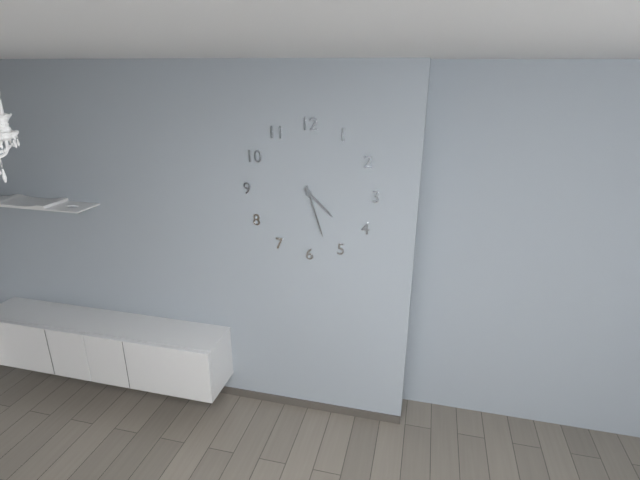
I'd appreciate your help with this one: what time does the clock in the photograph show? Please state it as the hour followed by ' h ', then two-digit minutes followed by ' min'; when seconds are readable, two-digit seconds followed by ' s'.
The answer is 4 h 27 min
